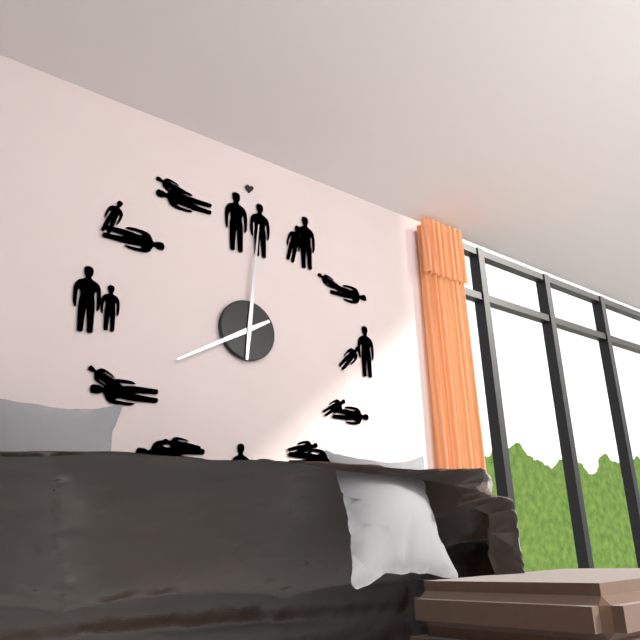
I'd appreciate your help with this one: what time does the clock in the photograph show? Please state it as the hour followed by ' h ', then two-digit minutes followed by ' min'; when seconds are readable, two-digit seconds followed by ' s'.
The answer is 8 h 01 min
